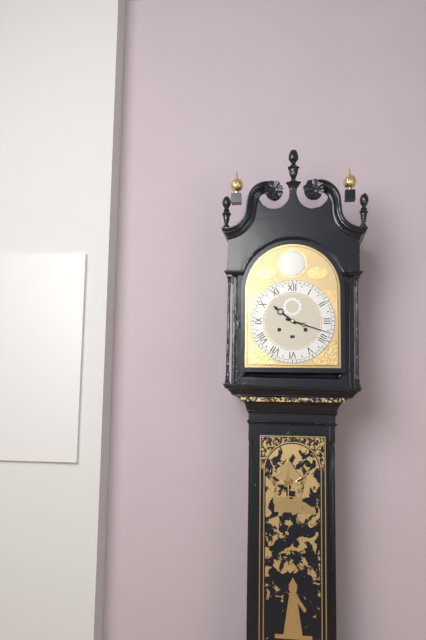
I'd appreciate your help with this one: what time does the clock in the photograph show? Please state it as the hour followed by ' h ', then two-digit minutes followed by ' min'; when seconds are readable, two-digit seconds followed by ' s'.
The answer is 10 h 18 min
